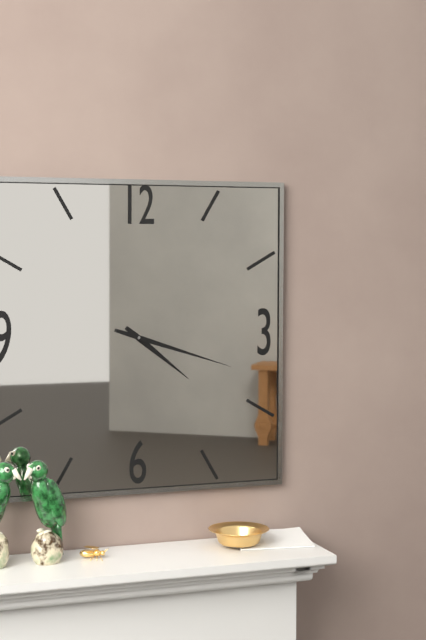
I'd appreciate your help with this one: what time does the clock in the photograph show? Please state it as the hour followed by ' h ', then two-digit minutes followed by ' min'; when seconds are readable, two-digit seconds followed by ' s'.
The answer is 4 h 18 min
